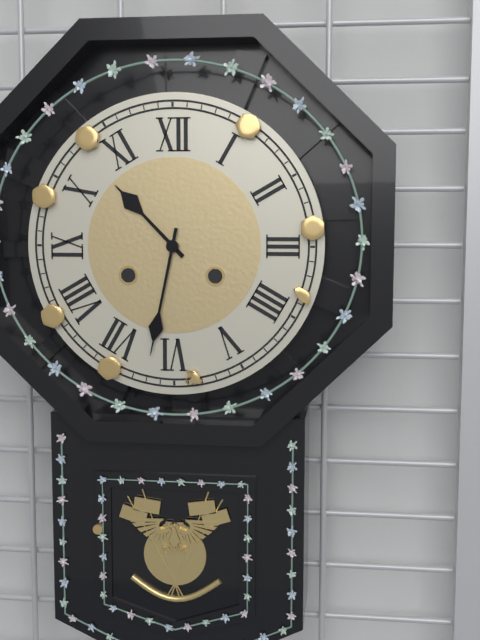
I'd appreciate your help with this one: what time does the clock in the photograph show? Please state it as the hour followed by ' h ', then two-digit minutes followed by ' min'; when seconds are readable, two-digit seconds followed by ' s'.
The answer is 10 h 32 min
